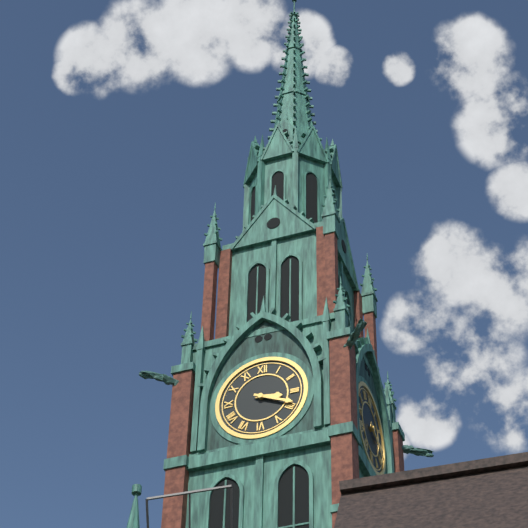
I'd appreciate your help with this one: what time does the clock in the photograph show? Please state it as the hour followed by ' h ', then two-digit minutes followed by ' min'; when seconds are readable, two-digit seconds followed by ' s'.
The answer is 3 h 19 min
